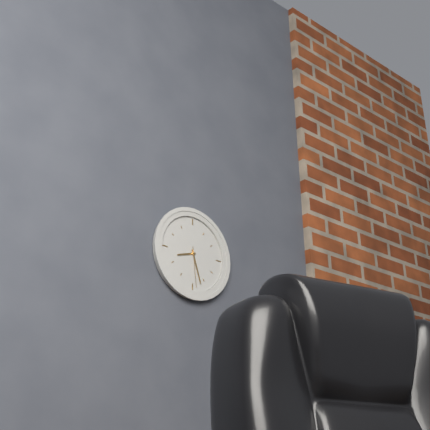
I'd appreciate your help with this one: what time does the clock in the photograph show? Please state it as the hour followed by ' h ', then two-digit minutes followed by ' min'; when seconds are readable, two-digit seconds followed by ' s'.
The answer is 8 h 27 min
